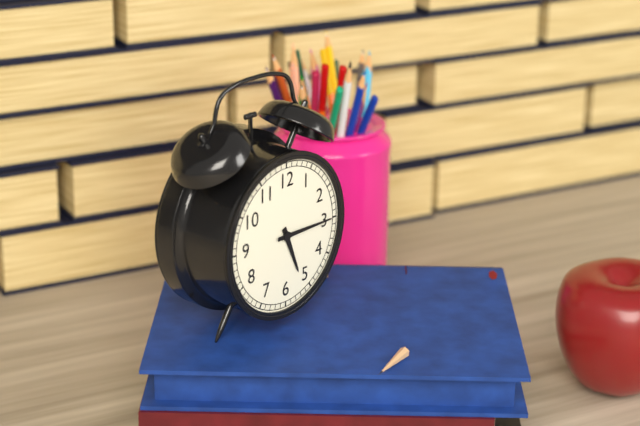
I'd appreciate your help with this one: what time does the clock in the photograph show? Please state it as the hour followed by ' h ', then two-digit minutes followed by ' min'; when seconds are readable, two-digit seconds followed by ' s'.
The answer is 5 h 15 min
